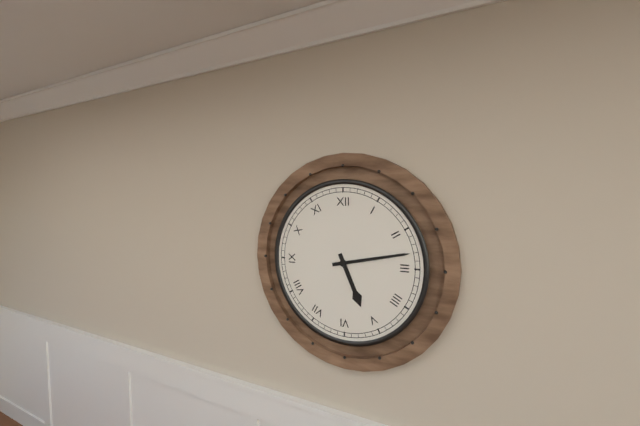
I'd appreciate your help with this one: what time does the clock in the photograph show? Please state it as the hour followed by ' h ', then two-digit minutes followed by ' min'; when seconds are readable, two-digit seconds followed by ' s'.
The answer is 5 h 13 min
